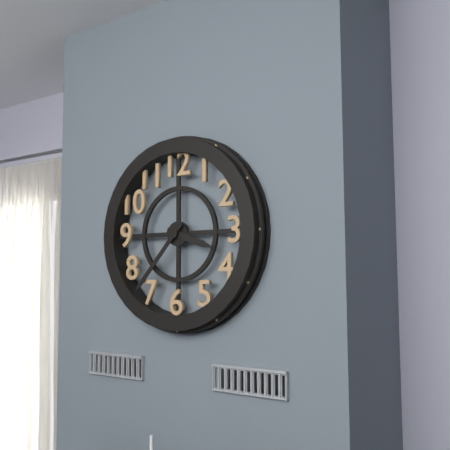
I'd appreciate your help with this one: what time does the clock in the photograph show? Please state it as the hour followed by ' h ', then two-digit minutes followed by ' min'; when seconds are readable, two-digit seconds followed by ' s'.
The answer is 3 h 37 min
